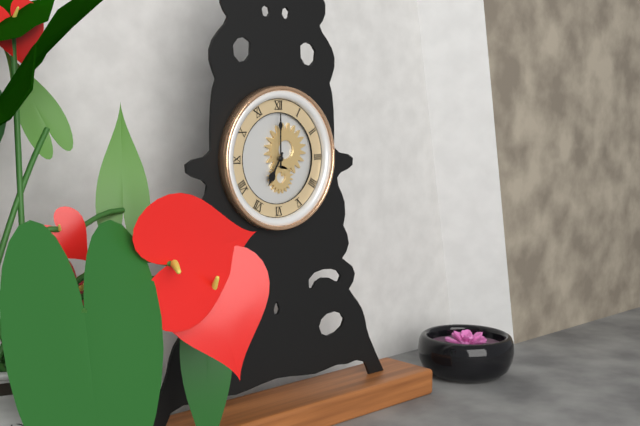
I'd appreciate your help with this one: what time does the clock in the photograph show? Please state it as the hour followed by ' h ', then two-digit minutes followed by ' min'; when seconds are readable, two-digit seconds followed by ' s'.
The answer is 7 h 00 min
